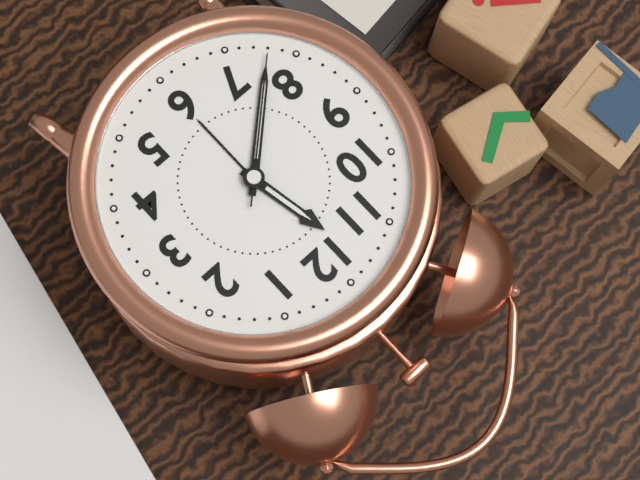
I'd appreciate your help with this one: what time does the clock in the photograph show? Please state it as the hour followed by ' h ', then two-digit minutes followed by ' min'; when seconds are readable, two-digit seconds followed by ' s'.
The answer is 11 h 38 min 38 s
